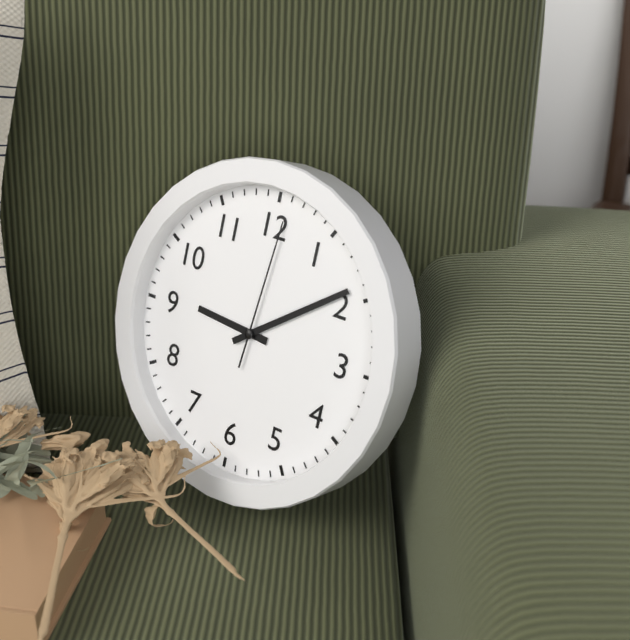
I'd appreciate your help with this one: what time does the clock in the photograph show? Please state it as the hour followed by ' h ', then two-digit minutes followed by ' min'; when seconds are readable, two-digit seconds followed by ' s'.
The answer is 9 h 09 min 01 s
